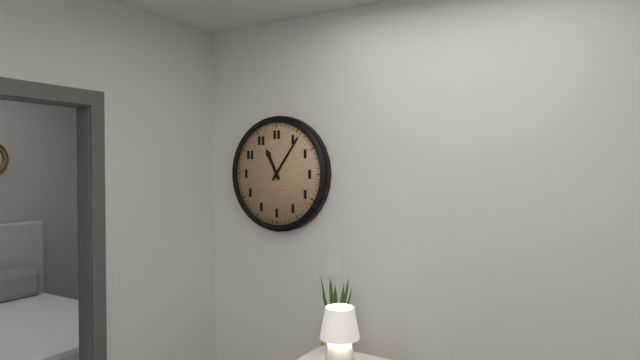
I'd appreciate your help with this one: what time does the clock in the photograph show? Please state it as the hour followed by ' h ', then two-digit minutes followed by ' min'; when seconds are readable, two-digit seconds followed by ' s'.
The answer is 11 h 06 min
